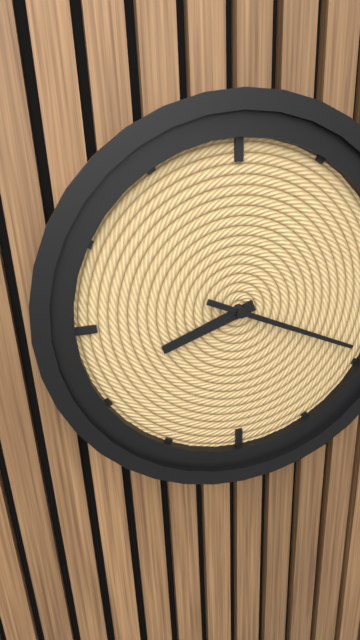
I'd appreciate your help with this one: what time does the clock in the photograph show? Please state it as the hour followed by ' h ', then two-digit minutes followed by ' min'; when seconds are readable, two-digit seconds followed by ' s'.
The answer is 8 h 19 min
